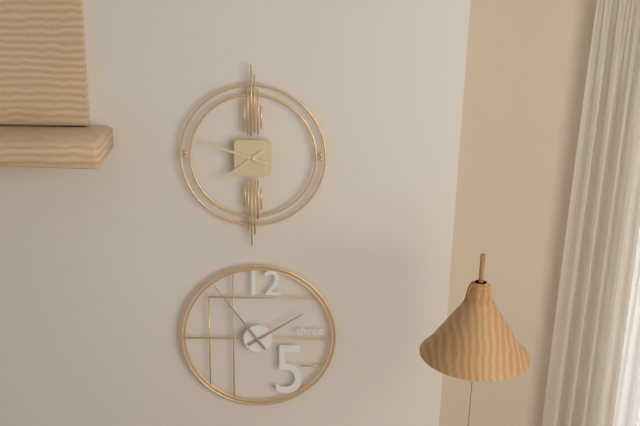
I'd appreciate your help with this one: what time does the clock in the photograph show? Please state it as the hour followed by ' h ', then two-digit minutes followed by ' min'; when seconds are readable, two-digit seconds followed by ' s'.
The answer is 7 h 48 min
